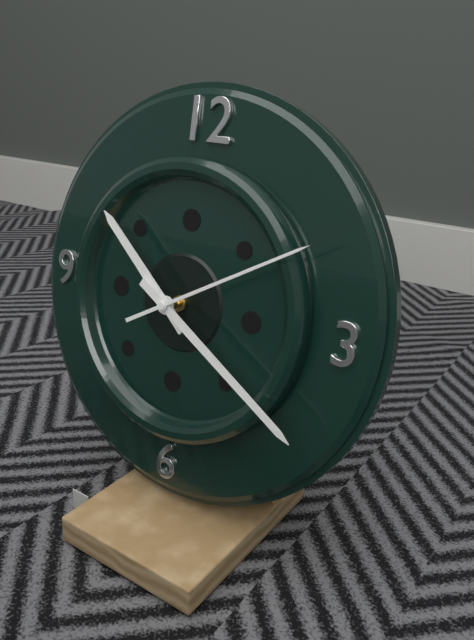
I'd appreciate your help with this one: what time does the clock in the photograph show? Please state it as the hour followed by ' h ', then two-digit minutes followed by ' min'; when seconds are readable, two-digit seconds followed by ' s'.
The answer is 10 h 20 min 10 s
